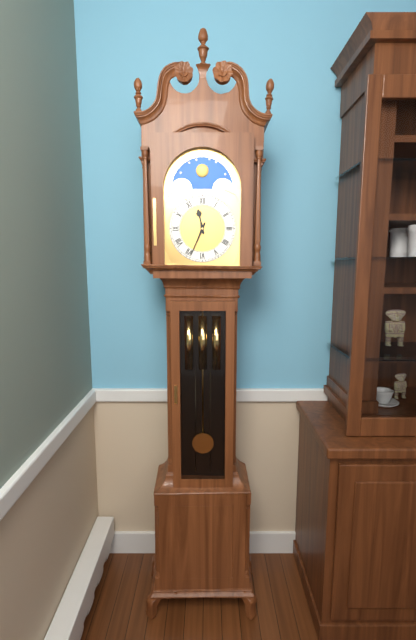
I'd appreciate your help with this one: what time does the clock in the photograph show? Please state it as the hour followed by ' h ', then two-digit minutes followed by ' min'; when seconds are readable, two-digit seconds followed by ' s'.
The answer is 11 h 34 min
